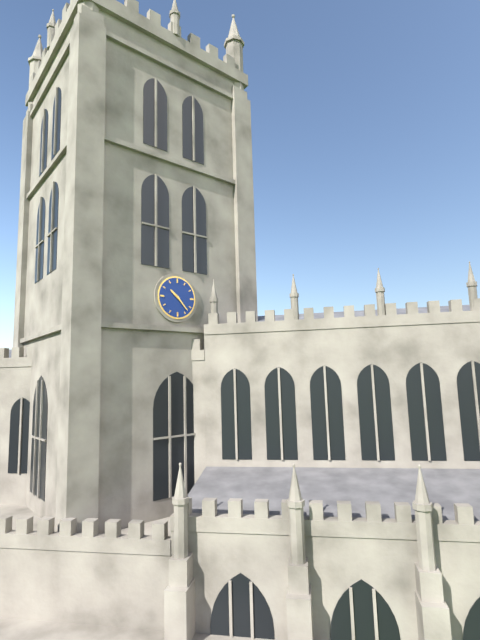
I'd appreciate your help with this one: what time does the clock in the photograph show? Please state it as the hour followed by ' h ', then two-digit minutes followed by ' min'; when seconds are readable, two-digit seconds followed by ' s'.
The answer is 10 h 23 min
